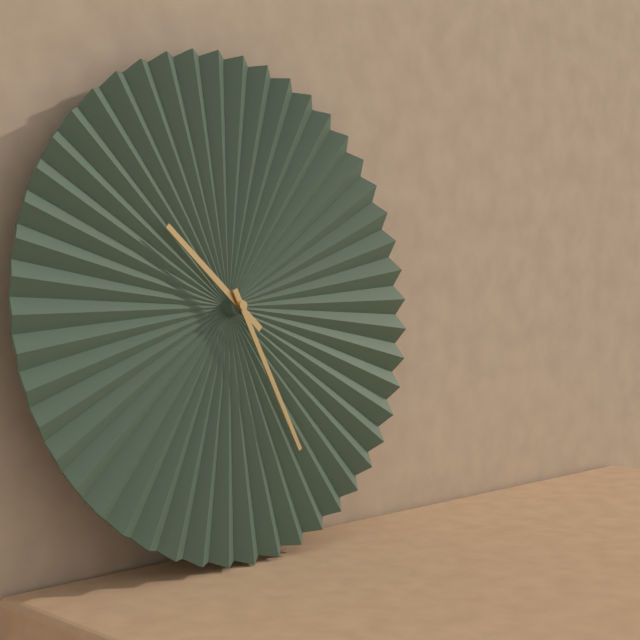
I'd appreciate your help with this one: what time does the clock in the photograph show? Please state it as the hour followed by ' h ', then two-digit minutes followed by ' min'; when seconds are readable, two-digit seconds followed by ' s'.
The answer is 10 h 26 min
